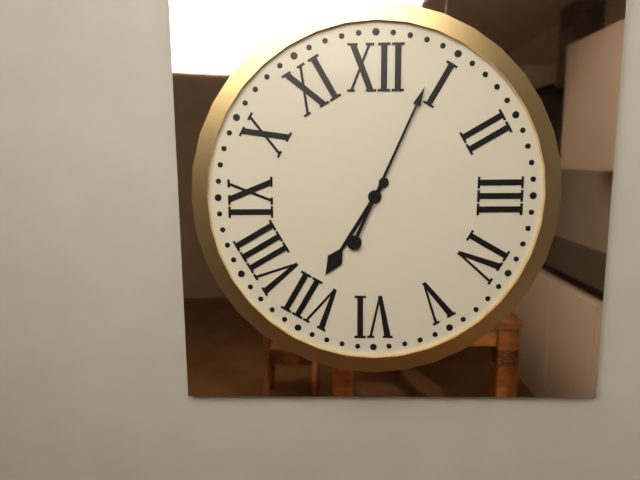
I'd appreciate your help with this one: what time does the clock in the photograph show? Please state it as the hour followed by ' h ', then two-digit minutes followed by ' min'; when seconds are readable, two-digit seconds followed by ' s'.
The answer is 7 h 04 min
